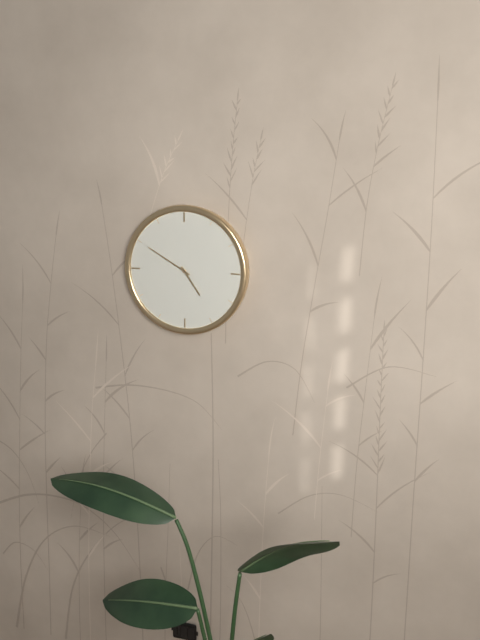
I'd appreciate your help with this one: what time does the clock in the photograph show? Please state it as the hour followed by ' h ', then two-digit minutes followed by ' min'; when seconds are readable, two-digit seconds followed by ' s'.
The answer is 4 h 50 min
